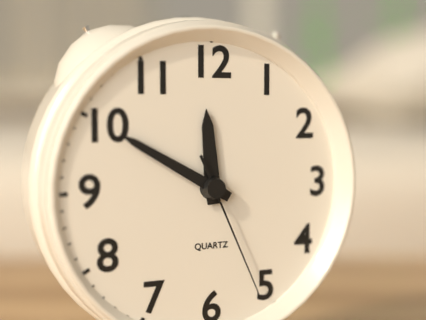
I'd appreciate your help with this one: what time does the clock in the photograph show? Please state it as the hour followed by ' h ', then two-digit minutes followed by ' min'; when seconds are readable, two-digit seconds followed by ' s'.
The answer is 11 h 50 min 26 s
